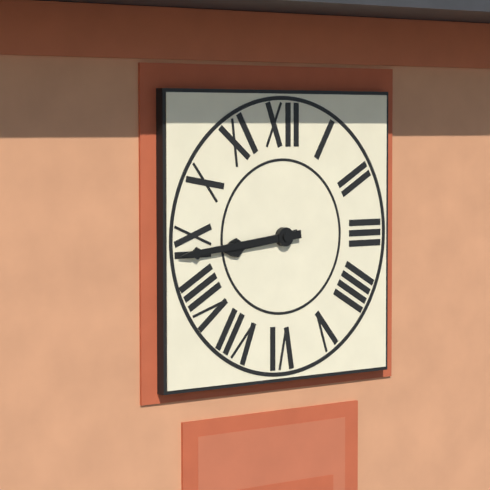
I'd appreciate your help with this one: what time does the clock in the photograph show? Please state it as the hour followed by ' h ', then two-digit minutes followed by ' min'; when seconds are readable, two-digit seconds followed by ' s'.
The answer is 8 h 44 min
